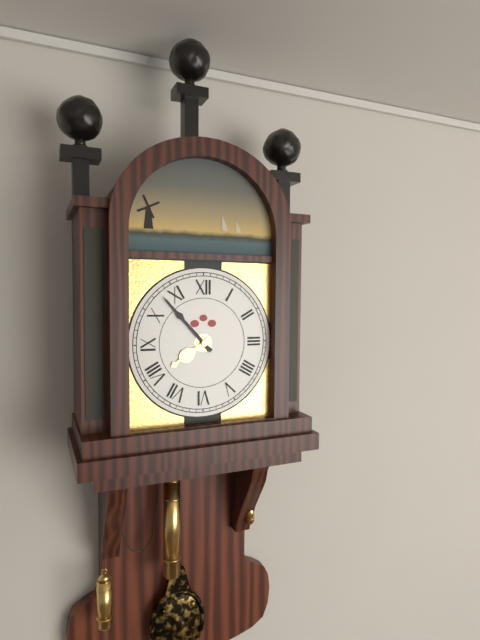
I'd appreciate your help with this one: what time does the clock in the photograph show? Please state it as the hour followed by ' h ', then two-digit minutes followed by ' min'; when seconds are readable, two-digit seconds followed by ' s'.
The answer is 7 h 53 min
